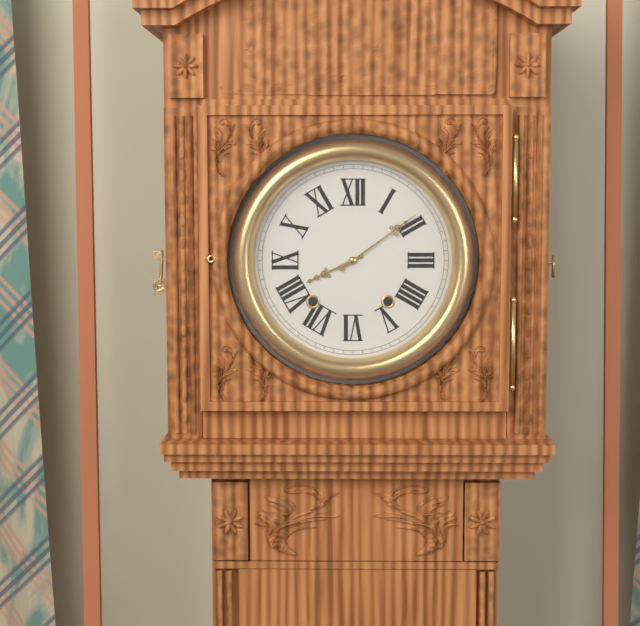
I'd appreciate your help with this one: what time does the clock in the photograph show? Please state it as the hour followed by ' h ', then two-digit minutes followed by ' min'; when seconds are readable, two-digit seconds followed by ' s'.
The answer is 8 h 09 min
